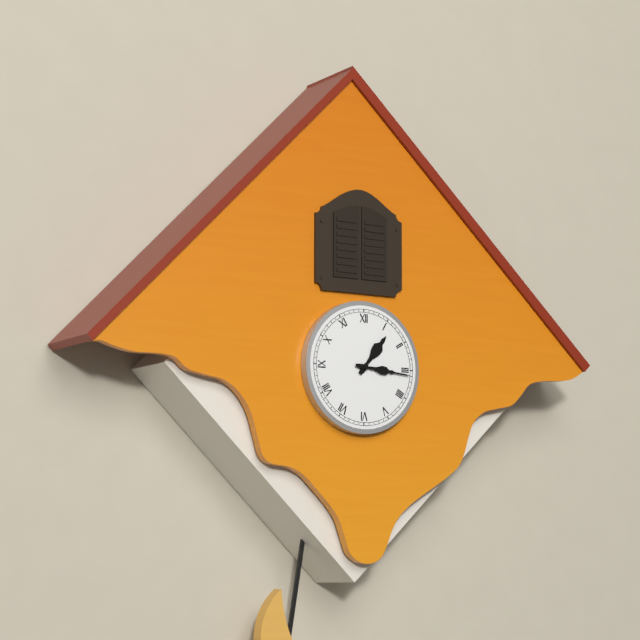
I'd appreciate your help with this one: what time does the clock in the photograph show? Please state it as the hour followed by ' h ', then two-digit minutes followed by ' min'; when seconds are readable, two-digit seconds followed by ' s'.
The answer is 1 h 16 min
